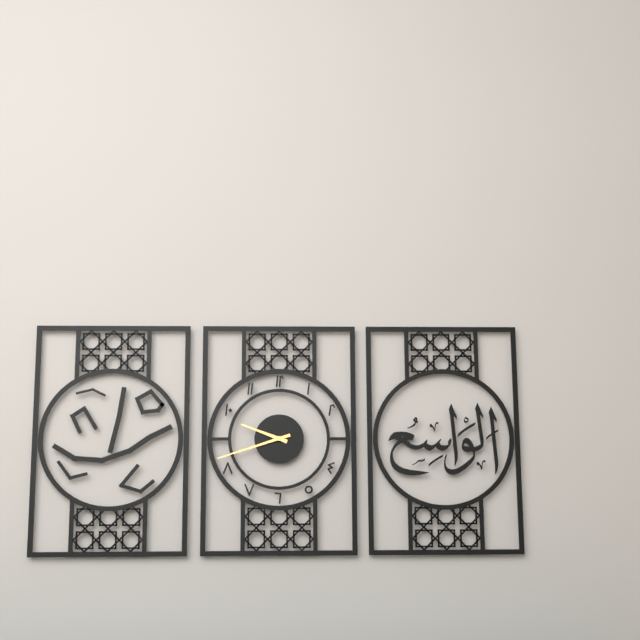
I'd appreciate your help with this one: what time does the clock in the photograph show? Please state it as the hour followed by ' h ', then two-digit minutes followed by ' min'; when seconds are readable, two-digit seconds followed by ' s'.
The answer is 9 h 42 min
